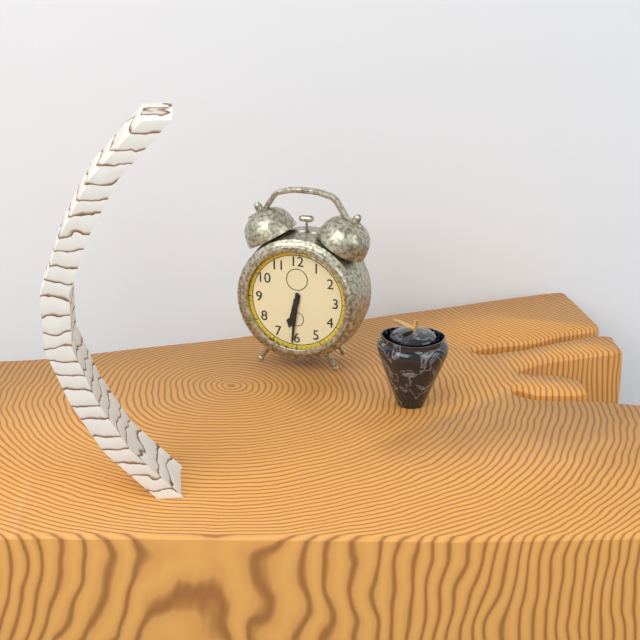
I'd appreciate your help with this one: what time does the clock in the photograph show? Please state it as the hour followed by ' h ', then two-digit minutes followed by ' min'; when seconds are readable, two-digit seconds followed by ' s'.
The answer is 6 h 31 min
